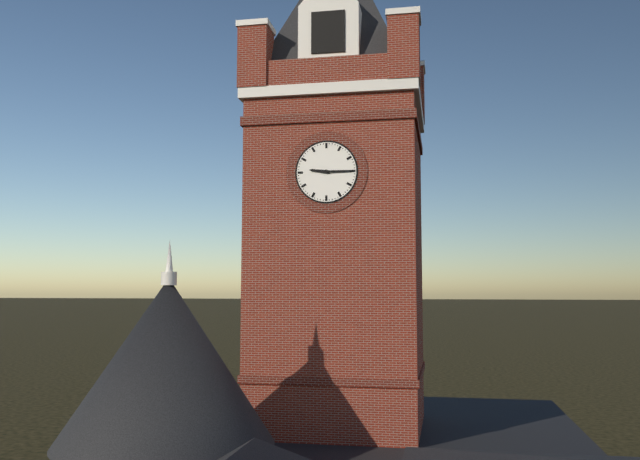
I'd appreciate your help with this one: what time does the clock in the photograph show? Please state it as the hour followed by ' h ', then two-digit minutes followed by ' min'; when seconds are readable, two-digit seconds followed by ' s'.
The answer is 9 h 15 min
